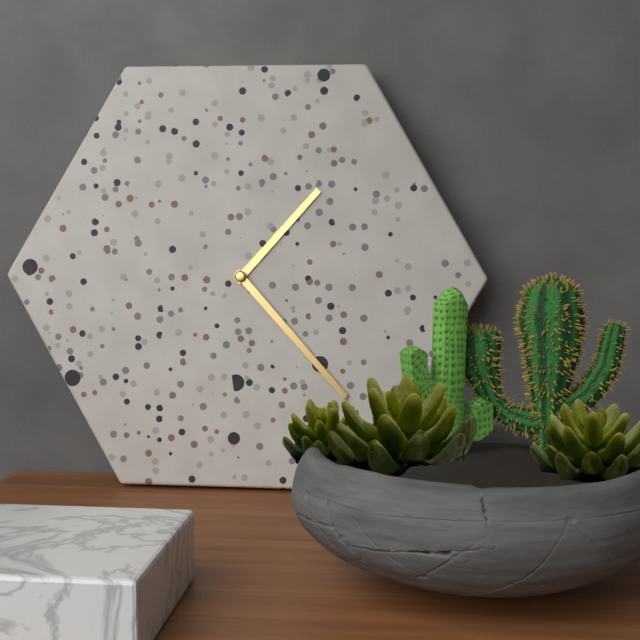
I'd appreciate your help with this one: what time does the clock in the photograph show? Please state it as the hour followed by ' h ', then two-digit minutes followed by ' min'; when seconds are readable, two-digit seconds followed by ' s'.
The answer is 1 h 23 min
